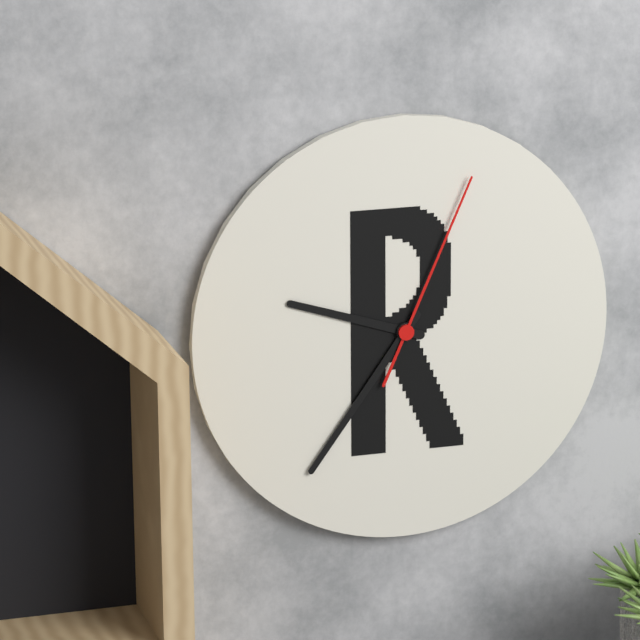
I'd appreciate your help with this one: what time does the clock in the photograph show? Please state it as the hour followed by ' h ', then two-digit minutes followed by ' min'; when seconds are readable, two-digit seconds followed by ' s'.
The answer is 9 h 36 min 04 s
